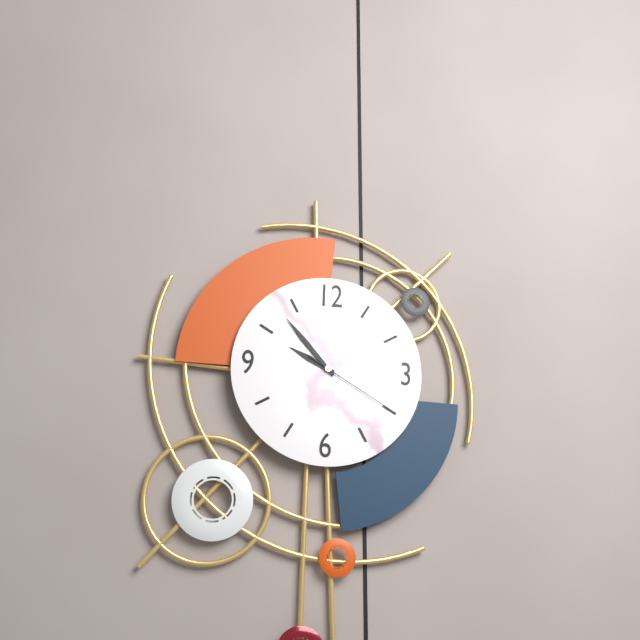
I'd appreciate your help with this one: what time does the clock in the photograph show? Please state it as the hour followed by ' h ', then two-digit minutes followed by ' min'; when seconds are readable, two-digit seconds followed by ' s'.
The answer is 9 h 53 min 20 s
